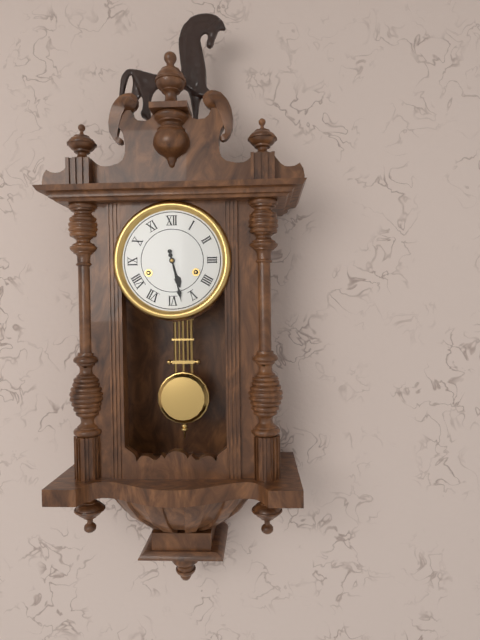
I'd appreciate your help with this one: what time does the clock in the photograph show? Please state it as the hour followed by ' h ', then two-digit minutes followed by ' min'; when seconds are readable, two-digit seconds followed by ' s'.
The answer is 5 h 28 min
